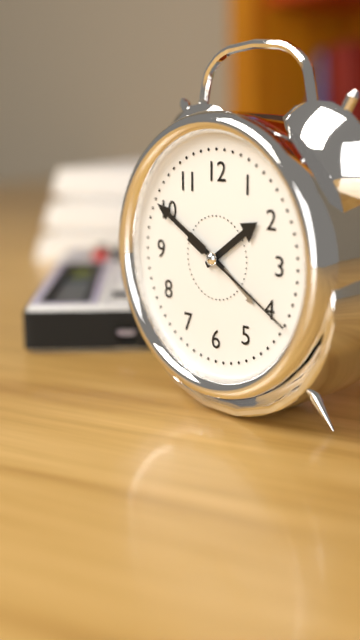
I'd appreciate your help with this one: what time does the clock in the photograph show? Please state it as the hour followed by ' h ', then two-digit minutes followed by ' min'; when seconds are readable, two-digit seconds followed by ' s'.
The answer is 1 h 50 min 20 s
